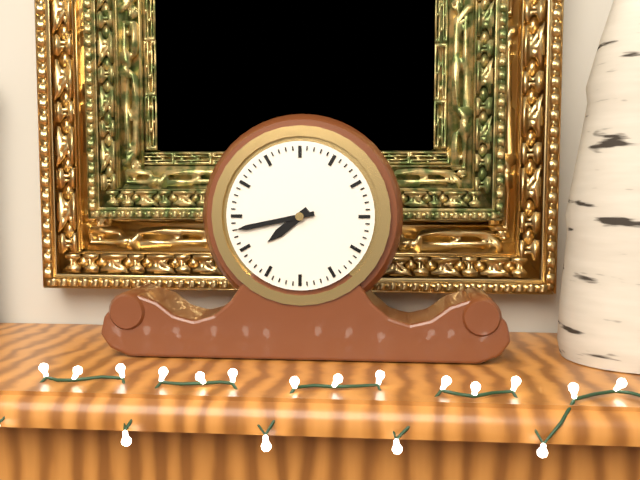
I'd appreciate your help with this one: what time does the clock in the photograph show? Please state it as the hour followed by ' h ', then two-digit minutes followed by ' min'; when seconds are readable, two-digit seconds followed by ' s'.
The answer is 7 h 43 min
